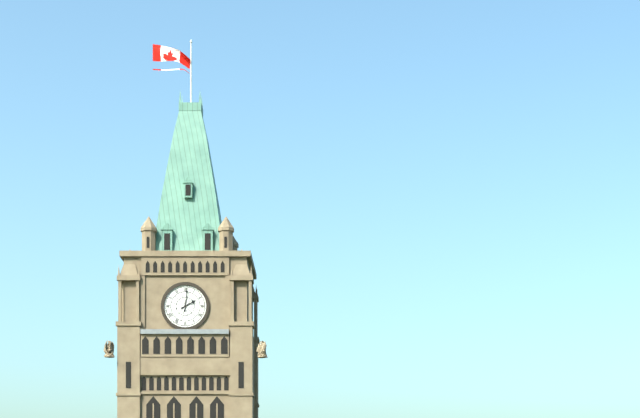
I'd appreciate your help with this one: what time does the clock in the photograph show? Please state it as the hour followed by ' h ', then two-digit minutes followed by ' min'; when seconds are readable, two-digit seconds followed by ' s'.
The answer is 2 h 01 min
